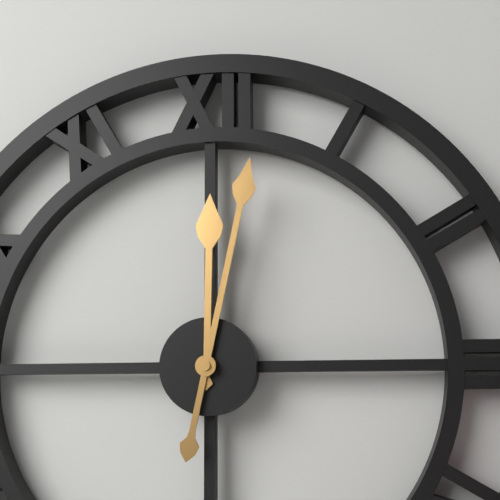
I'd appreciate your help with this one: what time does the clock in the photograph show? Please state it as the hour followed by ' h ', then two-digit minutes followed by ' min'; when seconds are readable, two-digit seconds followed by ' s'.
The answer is 12 h 02 min
